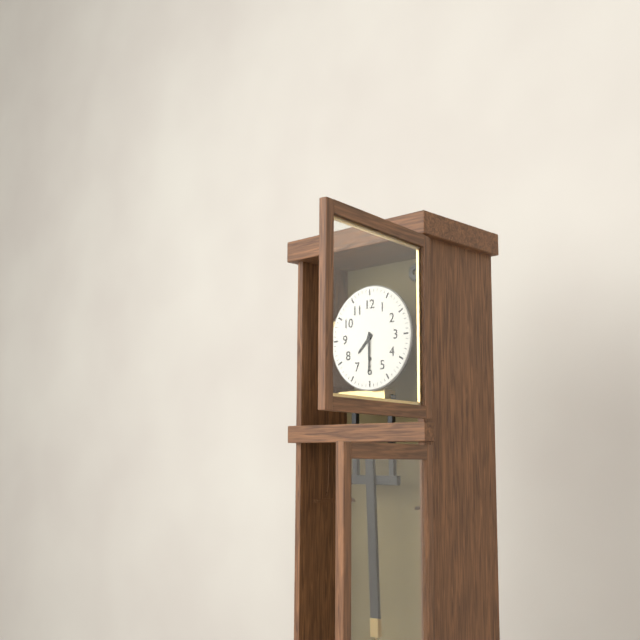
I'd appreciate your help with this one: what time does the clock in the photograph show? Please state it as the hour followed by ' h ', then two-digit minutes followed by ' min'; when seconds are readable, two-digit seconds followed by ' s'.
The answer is 7 h 30 min
